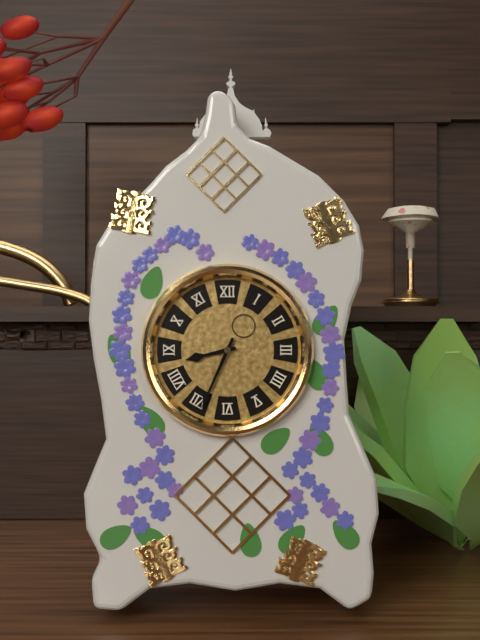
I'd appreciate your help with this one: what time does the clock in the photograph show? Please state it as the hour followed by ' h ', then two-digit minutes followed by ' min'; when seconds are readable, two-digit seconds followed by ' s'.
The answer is 8 h 34 min
